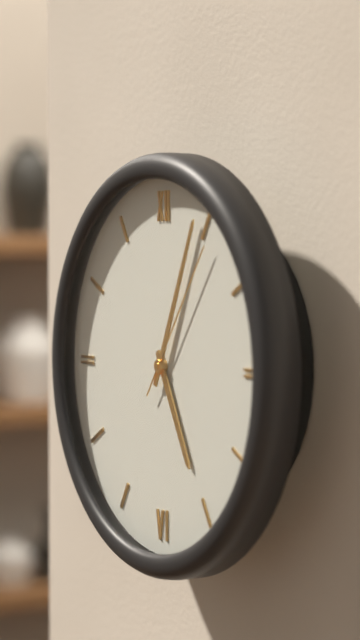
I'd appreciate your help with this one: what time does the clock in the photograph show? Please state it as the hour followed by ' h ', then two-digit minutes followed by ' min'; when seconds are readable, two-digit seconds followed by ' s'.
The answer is 5 h 04 min 06 s
